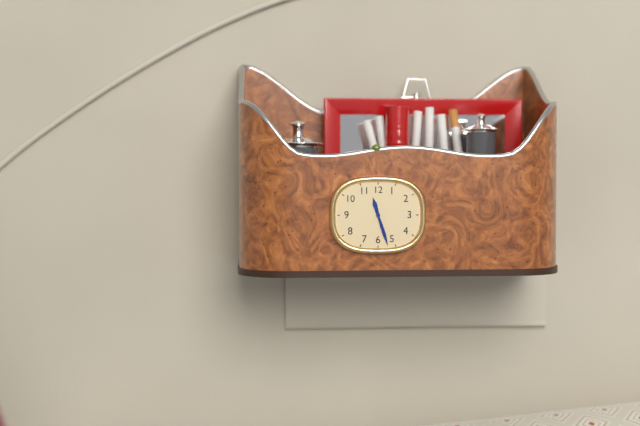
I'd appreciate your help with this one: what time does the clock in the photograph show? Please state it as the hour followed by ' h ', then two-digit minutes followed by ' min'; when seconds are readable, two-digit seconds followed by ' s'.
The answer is 11 h 27 min
